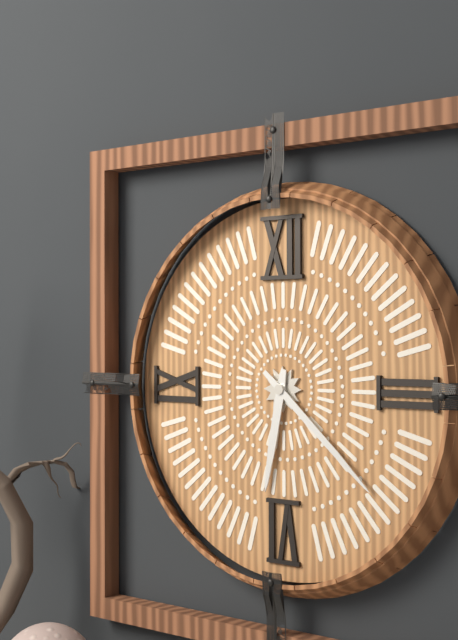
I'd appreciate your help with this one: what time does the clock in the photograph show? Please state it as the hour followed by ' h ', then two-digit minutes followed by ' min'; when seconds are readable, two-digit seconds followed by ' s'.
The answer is 6 h 22 min
